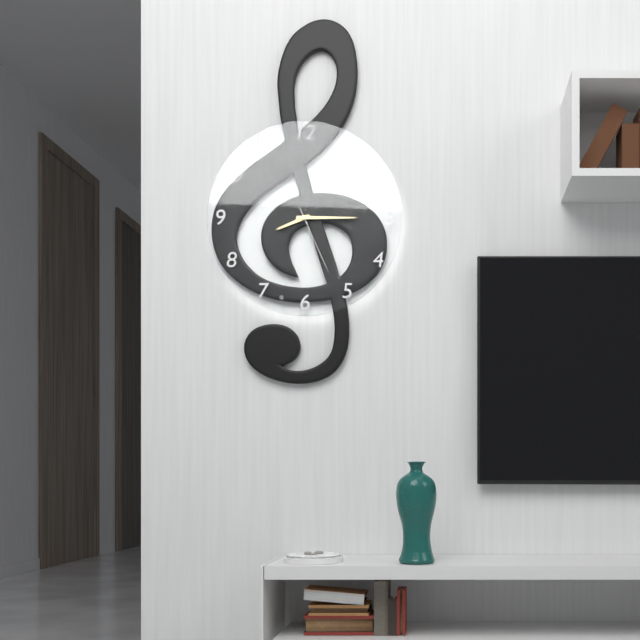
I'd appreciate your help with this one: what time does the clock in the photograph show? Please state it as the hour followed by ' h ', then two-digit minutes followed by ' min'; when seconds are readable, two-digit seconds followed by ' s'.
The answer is 8 h 15 min 26 s
